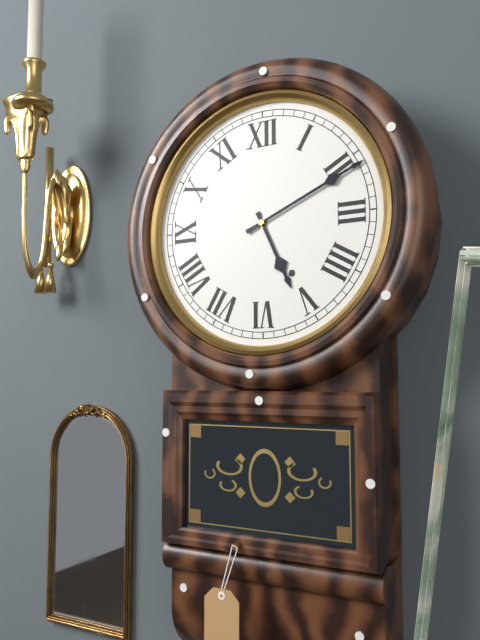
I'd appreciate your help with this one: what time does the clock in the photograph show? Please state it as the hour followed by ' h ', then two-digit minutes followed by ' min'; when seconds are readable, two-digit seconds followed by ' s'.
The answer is 5 h 11 min
